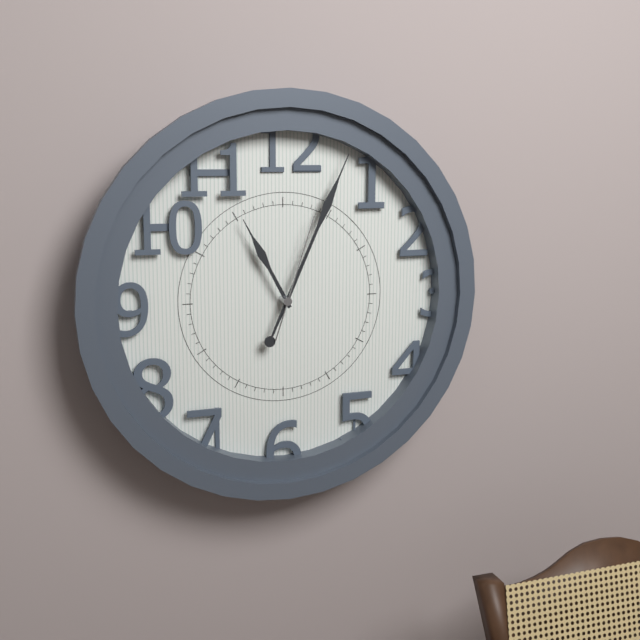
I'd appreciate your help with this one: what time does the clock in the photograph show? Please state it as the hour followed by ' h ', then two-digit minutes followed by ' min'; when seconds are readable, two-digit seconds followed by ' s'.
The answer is 11 h 04 min 03 s
